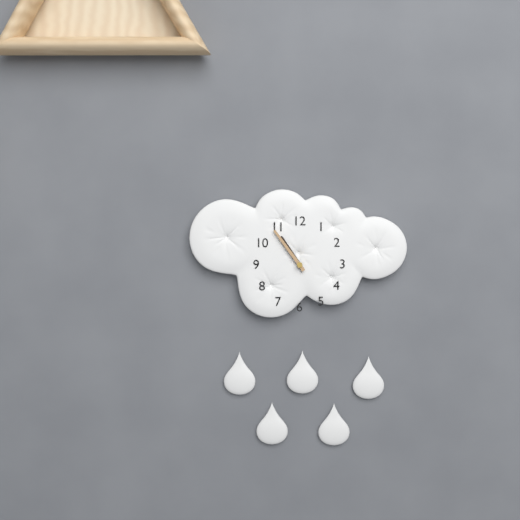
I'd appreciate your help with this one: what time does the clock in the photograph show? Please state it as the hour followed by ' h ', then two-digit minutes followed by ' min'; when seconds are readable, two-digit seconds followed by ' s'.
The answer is 10 h 54 min
